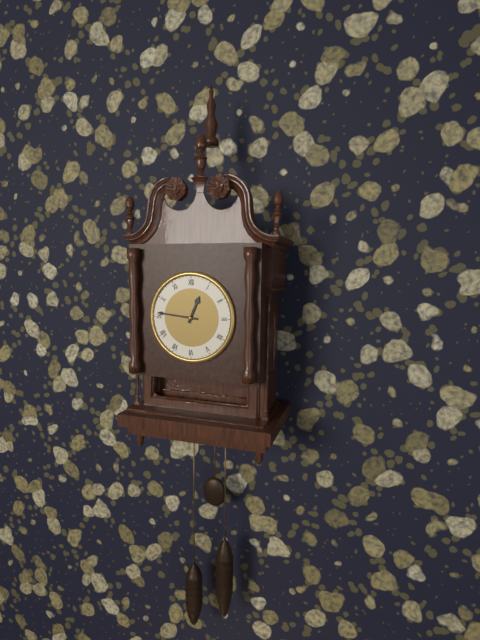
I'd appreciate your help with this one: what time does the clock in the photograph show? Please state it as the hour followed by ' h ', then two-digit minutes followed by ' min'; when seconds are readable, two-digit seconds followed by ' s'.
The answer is 12 h 46 min
